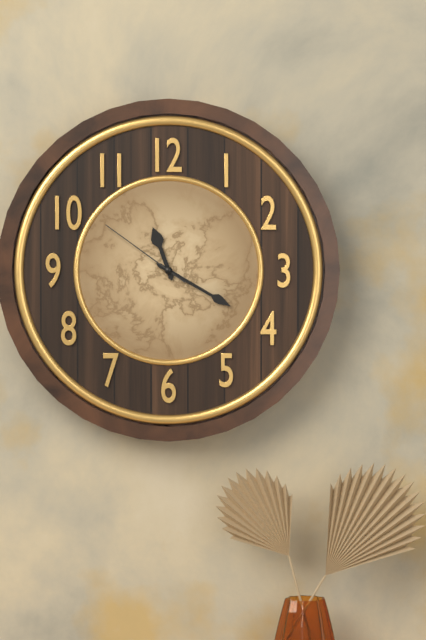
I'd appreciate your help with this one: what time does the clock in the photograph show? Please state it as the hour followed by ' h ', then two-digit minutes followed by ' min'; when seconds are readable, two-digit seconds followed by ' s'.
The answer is 11 h 20 min 51 s
